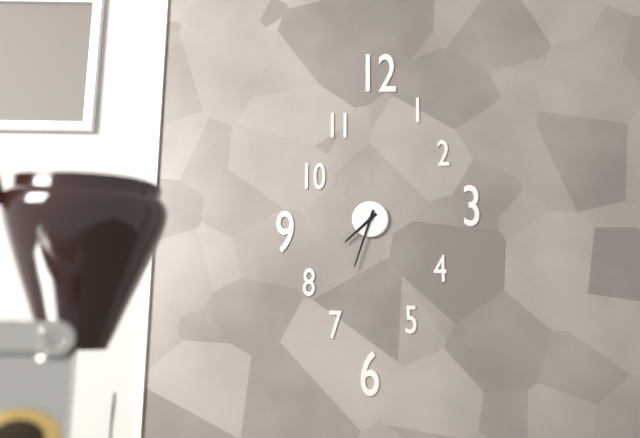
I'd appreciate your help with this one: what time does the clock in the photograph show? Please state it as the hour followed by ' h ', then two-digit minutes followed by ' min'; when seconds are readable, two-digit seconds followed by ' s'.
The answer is 7 h 33 min
